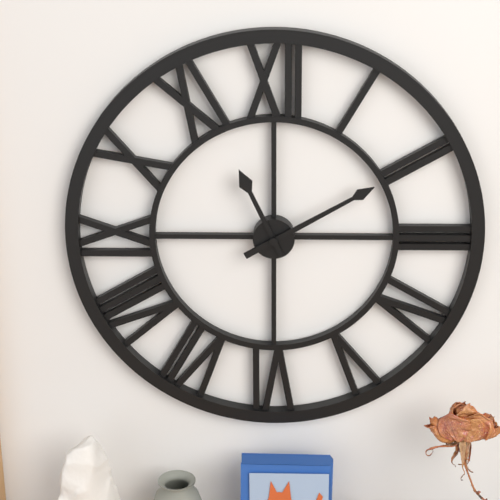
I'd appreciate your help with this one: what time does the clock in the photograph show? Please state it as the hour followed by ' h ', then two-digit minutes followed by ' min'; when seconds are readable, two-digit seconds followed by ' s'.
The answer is 11 h 10 min
